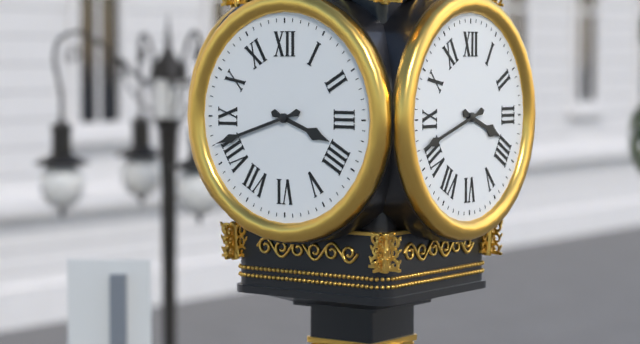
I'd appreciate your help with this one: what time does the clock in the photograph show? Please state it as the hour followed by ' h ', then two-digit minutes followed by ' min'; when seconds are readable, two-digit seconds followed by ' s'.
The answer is 3 h 42 min
